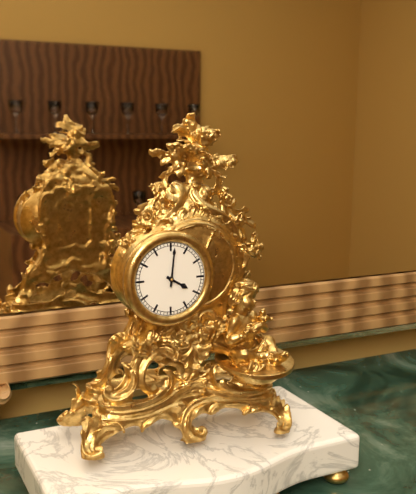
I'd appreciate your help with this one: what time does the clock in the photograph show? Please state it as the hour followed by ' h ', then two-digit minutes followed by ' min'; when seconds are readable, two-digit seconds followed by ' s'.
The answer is 4 h 01 min
